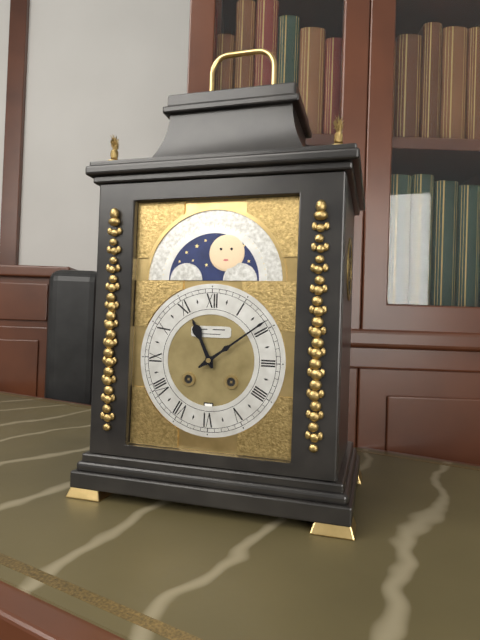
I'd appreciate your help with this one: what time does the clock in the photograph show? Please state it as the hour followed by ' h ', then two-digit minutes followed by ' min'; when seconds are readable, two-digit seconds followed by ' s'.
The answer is 11 h 09 min
